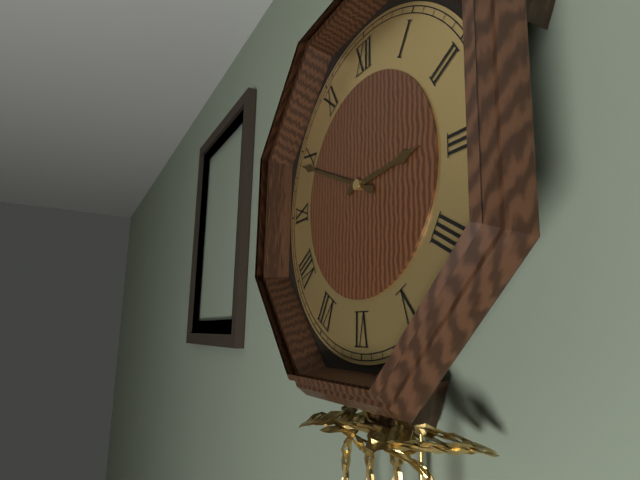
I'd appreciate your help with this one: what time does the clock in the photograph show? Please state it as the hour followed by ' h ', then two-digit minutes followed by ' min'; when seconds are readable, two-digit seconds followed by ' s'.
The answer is 2 h 49 min
